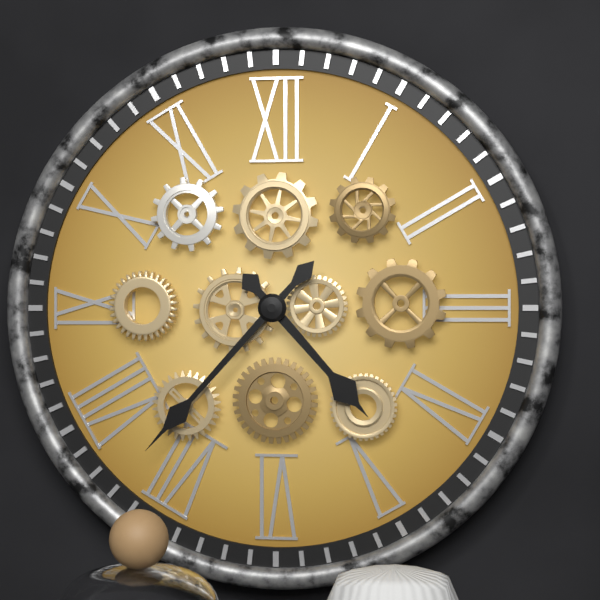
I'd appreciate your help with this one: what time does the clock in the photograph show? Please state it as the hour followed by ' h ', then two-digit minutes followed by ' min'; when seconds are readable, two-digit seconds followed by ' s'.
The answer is 4 h 37 min
